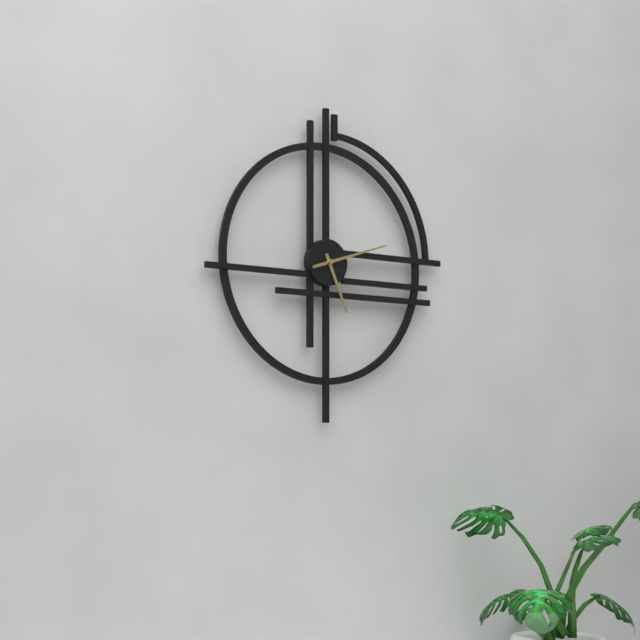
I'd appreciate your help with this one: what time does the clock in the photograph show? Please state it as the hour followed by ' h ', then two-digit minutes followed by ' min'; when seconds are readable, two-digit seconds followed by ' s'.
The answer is 5 h 12 min
